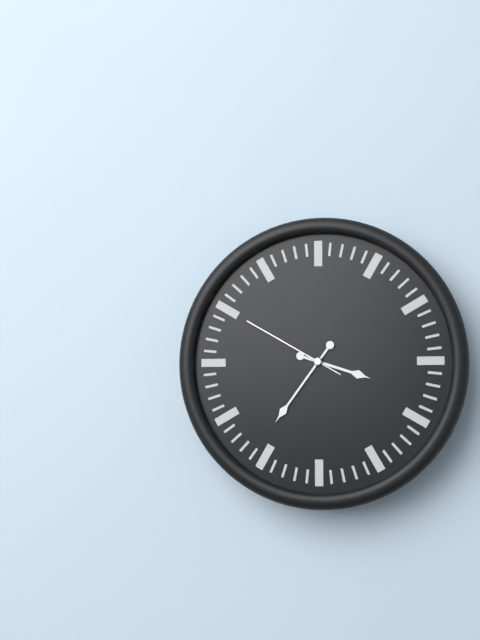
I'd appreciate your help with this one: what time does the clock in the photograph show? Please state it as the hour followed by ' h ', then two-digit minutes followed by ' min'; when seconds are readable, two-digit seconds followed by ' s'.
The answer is 3 h 36 min 50 s
